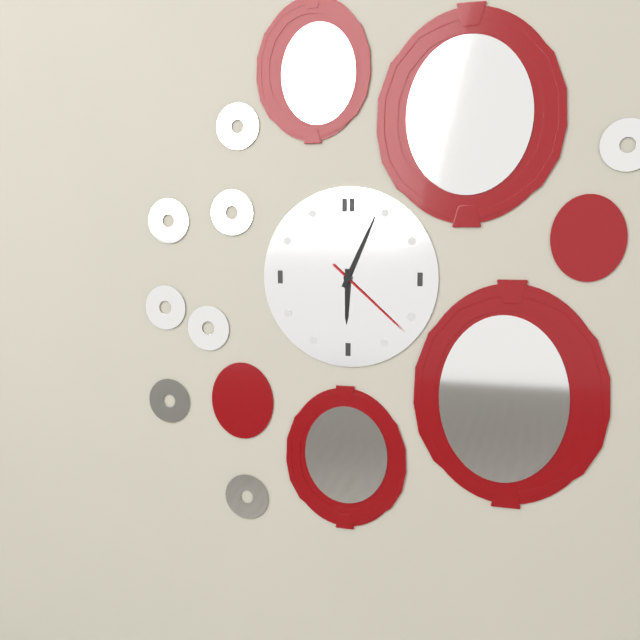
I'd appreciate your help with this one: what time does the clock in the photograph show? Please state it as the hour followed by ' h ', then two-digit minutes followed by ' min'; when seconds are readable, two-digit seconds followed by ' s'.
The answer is 6 h 04 min 22 s
